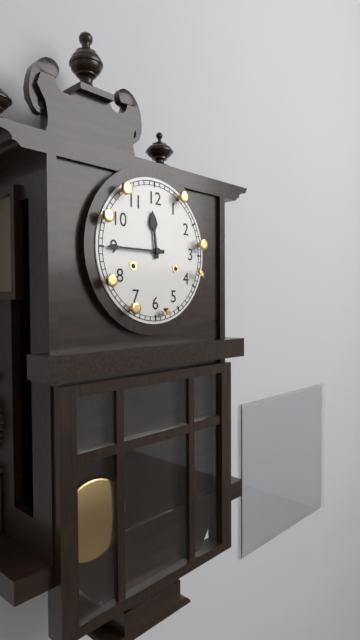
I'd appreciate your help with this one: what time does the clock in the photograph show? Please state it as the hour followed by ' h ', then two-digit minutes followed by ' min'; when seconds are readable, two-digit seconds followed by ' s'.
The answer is 11 h 45 min
